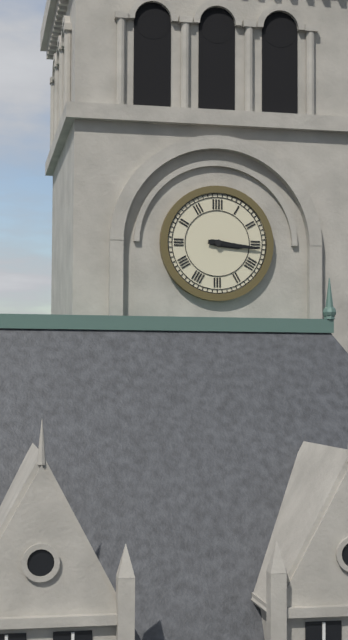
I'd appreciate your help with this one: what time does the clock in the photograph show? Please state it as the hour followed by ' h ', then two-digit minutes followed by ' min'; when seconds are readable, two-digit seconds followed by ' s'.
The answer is 3 h 16 min
